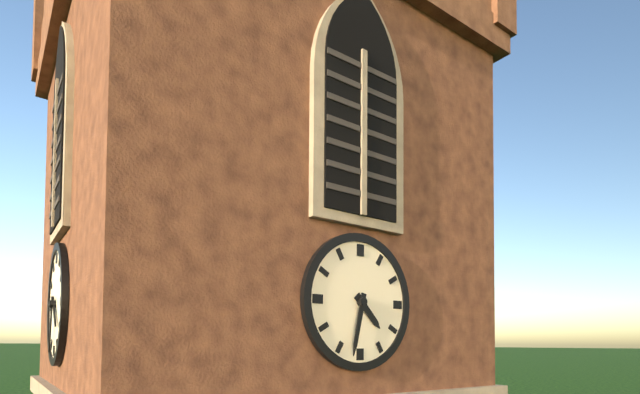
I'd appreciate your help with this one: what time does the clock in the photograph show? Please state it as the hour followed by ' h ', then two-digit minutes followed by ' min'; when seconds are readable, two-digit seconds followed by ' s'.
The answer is 4 h 32 min
